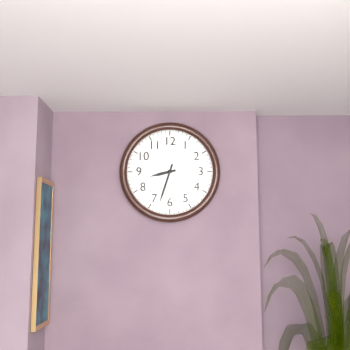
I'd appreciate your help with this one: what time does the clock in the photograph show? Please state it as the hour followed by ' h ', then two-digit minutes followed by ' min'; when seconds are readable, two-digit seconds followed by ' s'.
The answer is 8 h 33 min
